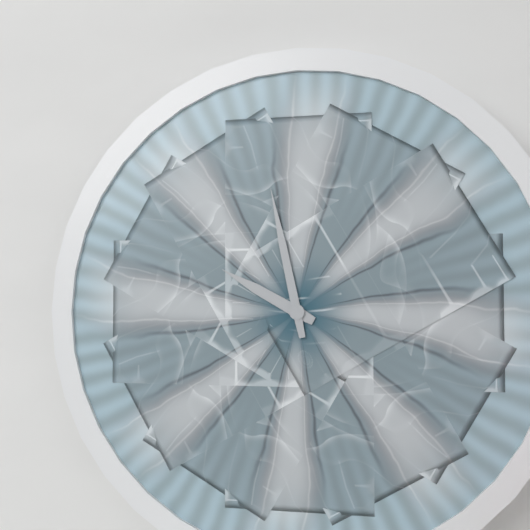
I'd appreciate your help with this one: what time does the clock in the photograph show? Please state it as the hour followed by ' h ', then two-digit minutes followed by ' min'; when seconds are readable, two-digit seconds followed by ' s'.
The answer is 9 h 58 min
